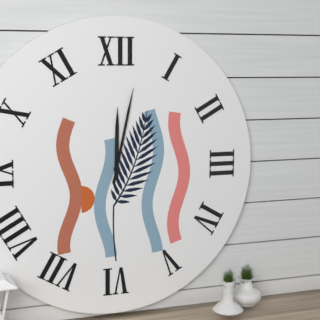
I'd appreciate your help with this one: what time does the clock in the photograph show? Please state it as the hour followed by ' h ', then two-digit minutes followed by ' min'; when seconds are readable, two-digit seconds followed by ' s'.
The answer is 12 h 02 min
